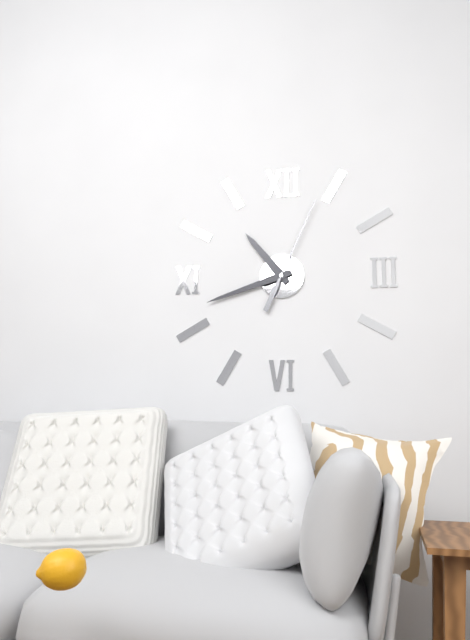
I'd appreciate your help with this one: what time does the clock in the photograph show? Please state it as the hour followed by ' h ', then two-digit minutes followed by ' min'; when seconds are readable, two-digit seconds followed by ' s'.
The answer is 10 h 42 min 04 s
